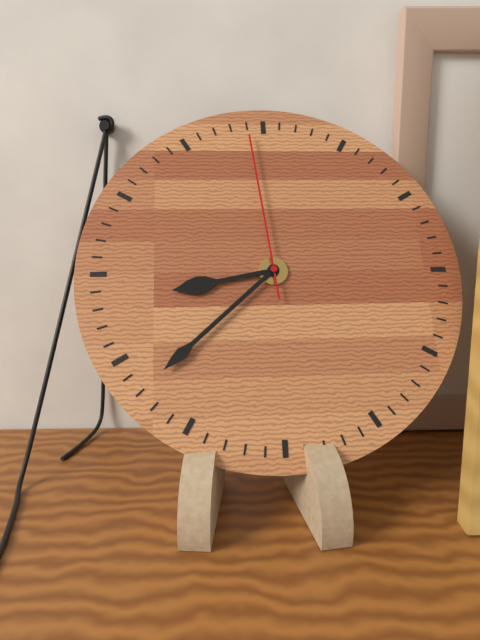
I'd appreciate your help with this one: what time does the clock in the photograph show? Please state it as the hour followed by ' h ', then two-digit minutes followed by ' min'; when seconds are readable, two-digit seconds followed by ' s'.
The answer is 8 h 38 min 59 s
